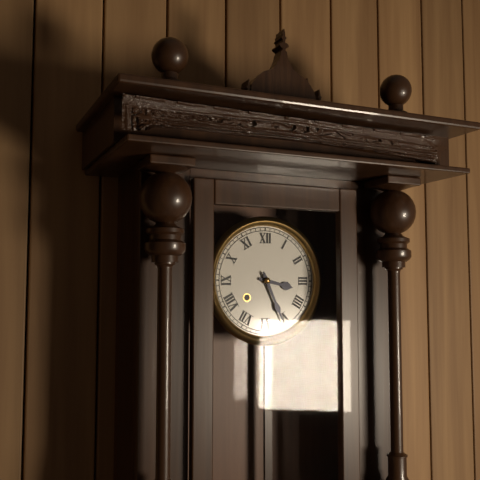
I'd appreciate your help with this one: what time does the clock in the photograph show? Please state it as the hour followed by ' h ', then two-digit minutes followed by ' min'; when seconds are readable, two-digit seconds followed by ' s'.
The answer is 3 h 26 min
